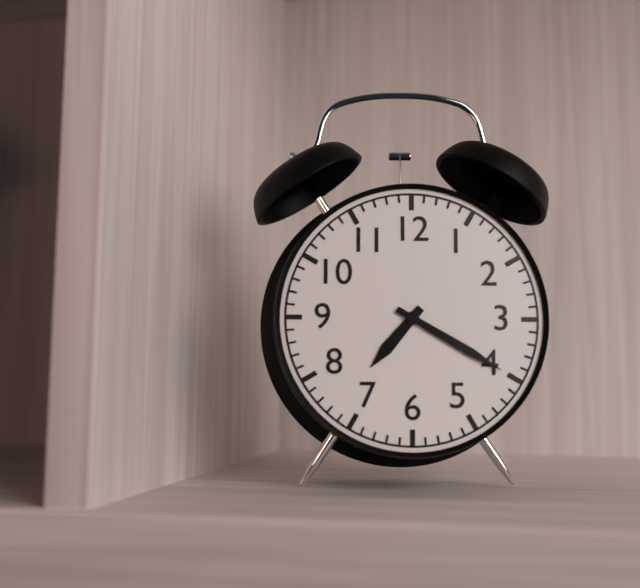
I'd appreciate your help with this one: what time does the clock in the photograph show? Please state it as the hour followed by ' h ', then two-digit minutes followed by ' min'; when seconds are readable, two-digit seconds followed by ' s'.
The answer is 7 h 20 min
